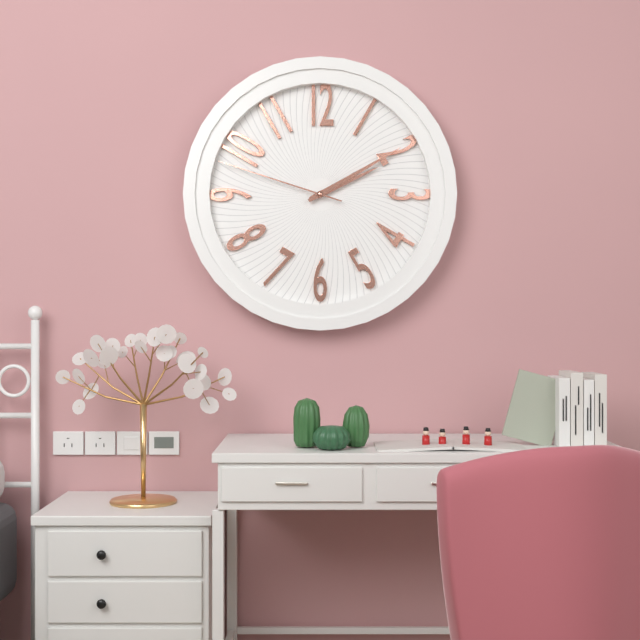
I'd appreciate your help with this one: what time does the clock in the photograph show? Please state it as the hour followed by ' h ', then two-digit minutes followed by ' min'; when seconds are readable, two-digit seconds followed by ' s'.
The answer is 2 h 10 min 48 s
